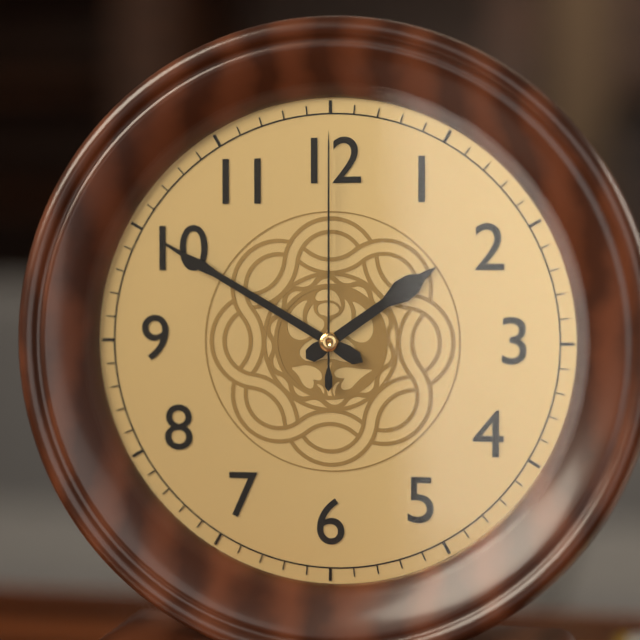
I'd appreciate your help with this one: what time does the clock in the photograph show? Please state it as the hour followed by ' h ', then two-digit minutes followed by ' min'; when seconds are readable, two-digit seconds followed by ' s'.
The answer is 1 h 50 min 00 s
